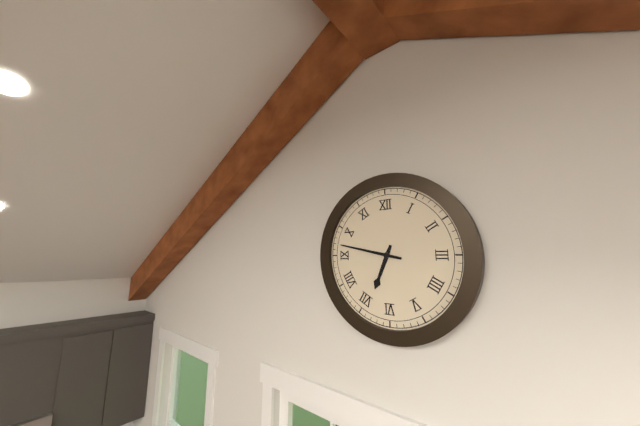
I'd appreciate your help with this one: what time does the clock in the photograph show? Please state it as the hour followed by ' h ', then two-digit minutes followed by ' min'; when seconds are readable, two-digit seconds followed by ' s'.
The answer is 6 h 47 min
